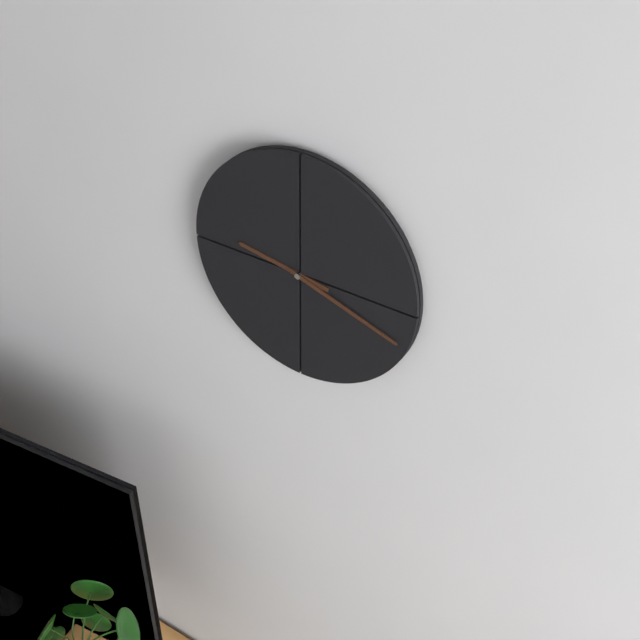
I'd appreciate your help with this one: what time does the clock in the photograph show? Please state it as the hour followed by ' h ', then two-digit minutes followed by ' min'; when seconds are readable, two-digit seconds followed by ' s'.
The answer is 9 h 18 min
